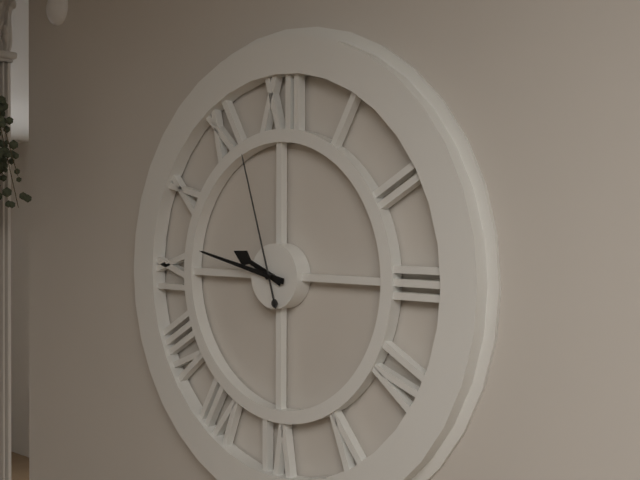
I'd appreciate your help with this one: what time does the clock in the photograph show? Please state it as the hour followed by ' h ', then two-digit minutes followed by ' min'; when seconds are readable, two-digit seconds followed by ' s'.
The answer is 9 h 47 min 57 s
